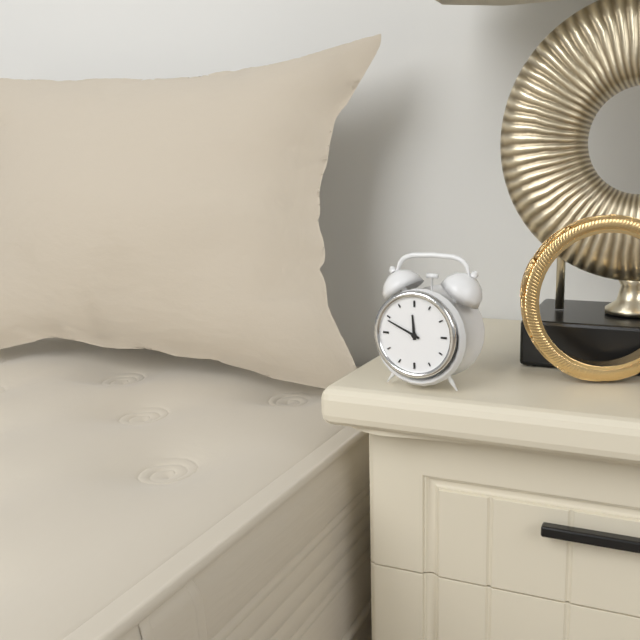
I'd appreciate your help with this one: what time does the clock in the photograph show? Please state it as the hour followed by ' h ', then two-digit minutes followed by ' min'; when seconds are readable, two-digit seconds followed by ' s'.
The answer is 11 h 49 min
